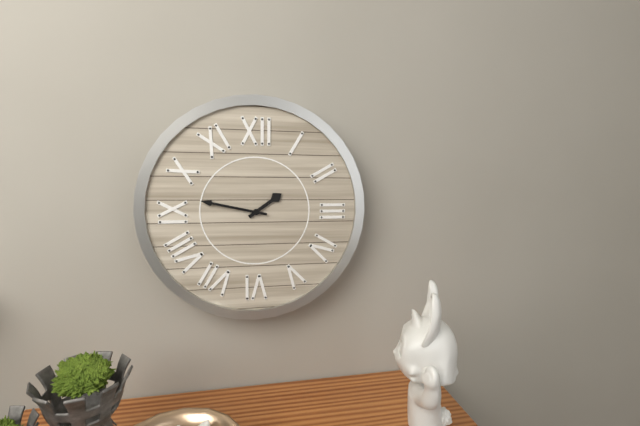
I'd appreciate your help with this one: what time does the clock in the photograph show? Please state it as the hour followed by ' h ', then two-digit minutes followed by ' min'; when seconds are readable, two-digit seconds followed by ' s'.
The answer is 1 h 47 min
